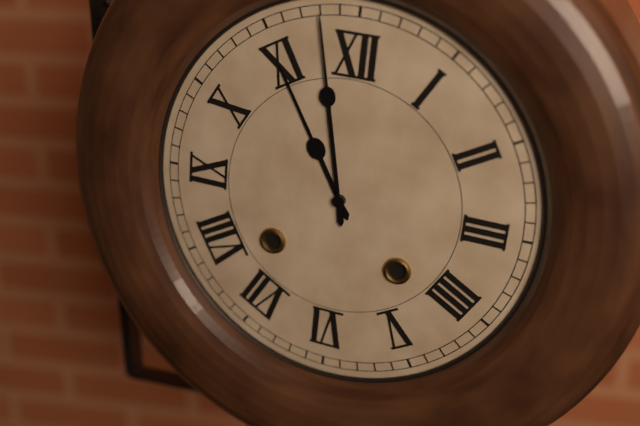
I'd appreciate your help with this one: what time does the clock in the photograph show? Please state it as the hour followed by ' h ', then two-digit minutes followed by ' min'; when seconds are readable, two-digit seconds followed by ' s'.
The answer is 10 h 58 min
